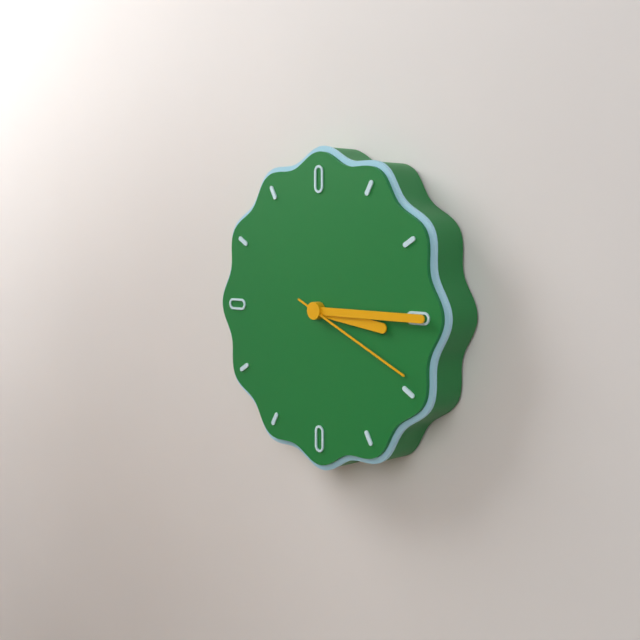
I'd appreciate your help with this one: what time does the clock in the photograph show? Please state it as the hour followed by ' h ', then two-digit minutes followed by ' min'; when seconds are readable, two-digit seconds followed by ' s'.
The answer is 3 h 15 min 19 s
